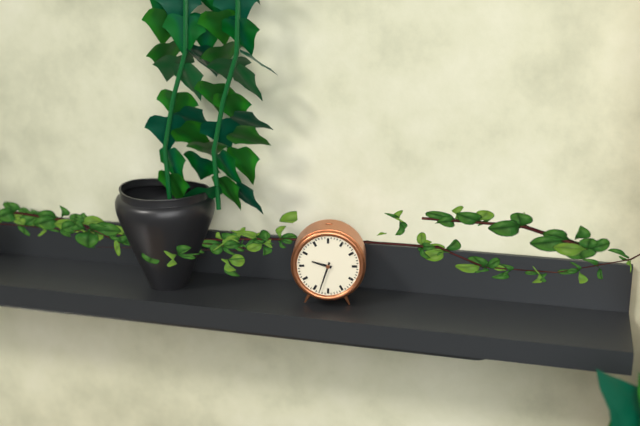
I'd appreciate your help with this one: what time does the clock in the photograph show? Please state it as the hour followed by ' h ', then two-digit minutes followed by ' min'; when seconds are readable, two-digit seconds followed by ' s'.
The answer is 9 h 33 min
